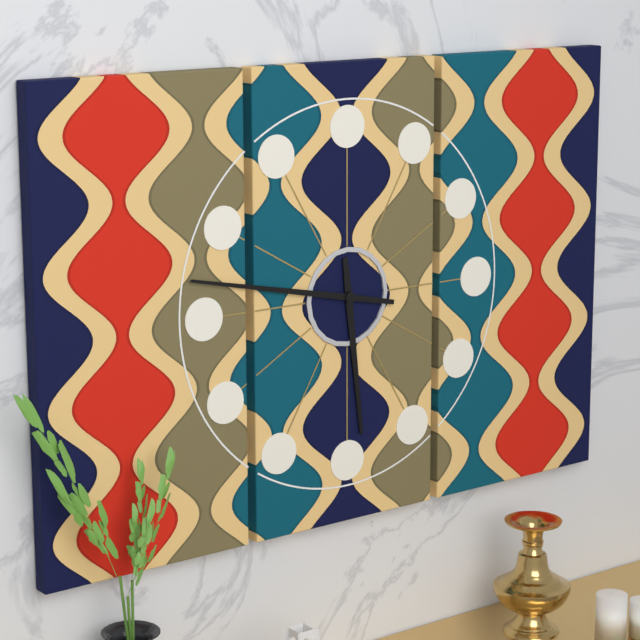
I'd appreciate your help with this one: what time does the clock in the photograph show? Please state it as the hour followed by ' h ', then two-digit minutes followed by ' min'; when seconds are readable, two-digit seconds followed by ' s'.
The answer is 5 h 47 min
